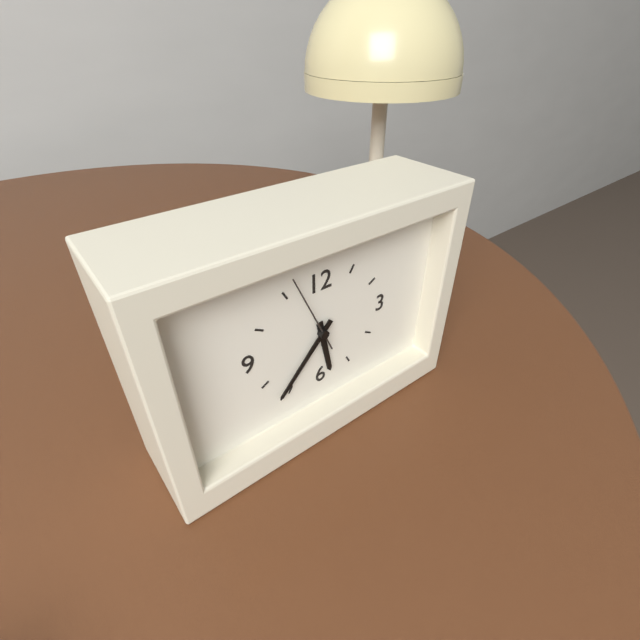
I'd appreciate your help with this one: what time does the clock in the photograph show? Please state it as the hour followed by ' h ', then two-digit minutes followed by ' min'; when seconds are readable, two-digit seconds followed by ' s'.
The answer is 5 h 37 min 56 s
